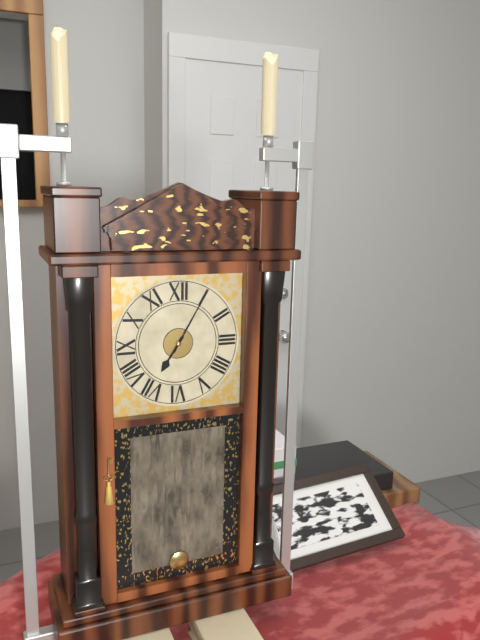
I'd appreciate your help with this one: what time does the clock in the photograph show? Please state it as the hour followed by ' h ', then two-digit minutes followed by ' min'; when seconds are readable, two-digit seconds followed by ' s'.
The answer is 7 h 05 min
